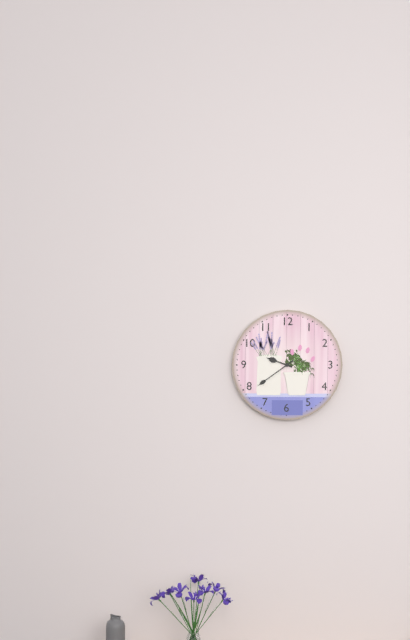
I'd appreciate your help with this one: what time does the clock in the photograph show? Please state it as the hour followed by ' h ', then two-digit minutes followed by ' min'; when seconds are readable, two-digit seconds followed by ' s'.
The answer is 9 h 39 min
